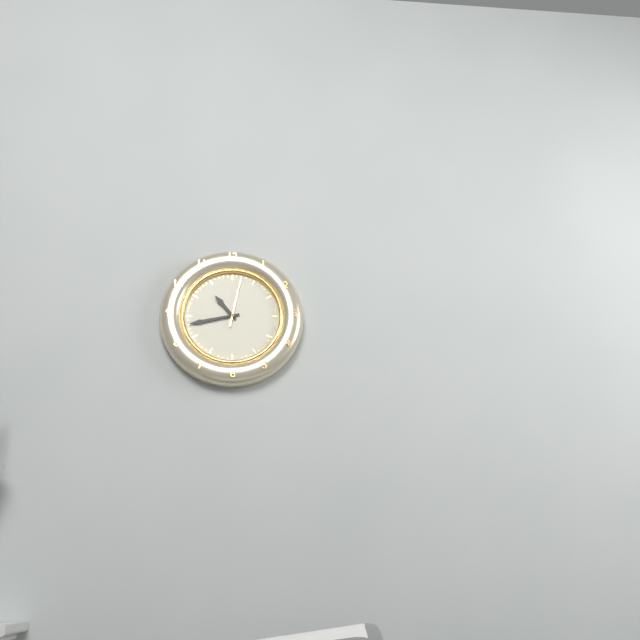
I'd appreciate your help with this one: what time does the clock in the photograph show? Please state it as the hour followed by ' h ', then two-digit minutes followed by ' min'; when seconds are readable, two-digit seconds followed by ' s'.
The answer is 10 h 43 min
